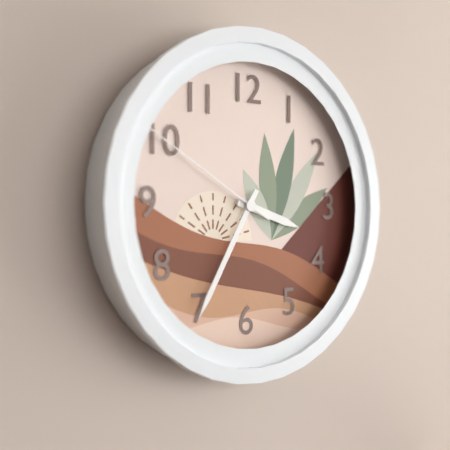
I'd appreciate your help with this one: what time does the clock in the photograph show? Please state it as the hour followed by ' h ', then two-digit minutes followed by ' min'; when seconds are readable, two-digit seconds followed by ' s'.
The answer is 3 h 35 min 50 s
